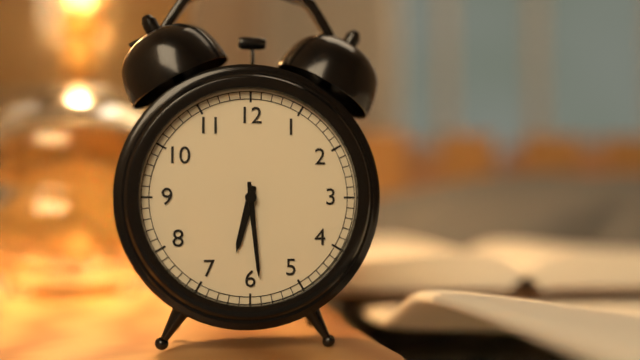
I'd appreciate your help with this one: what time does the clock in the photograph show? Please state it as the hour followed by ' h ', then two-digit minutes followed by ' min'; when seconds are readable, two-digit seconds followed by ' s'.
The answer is 6 h 29 min
